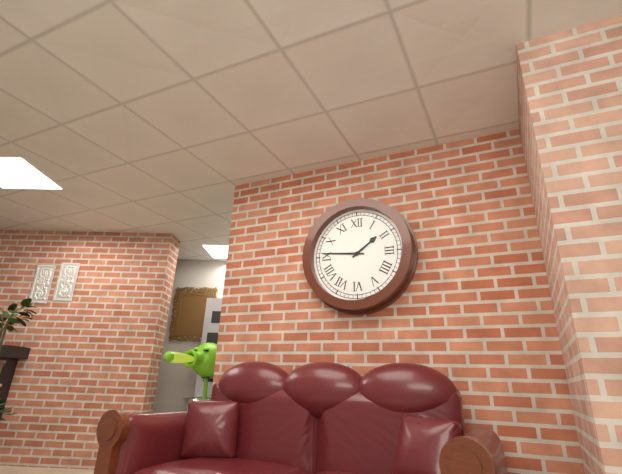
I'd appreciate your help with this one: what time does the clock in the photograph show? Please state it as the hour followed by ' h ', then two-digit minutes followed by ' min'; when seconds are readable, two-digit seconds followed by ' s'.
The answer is 1 h 46 min
